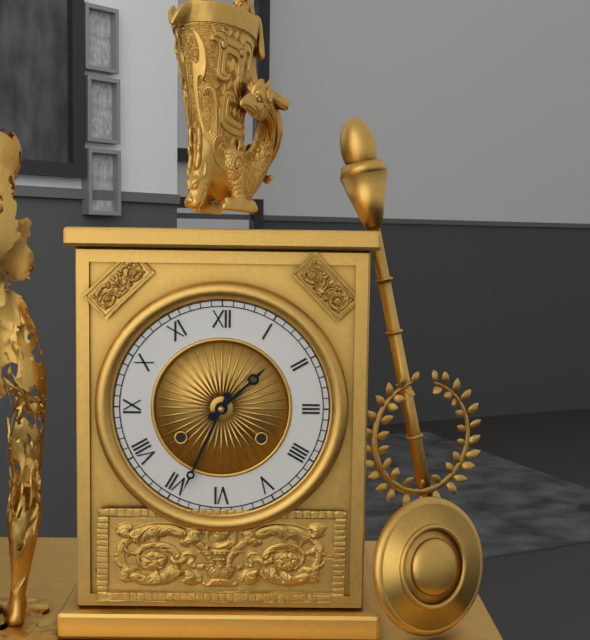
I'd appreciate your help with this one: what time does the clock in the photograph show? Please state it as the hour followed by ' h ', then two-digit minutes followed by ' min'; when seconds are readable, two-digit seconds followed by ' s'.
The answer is 1 h 34 min
